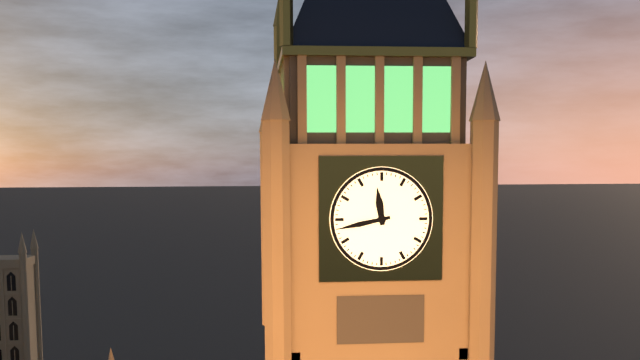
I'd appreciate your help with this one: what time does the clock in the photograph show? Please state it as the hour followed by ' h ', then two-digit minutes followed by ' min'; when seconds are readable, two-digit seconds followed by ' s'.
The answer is 11 h 43 min
